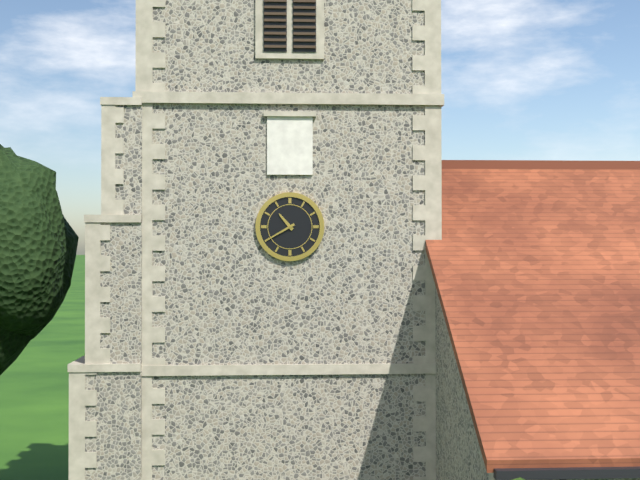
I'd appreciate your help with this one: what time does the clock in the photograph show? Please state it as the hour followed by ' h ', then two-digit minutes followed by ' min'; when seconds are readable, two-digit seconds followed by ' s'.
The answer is 10 h 40 min
